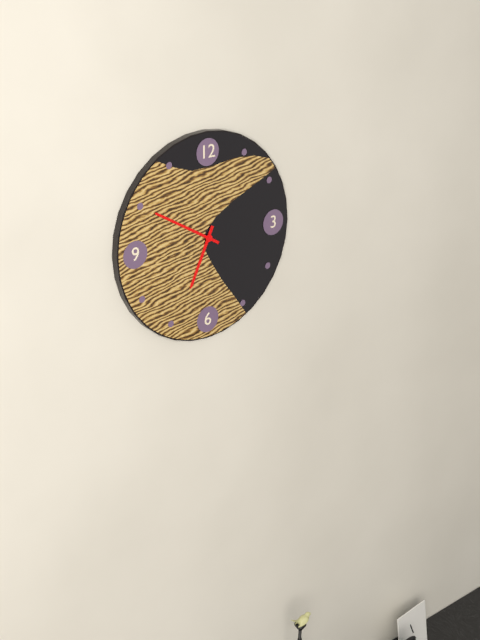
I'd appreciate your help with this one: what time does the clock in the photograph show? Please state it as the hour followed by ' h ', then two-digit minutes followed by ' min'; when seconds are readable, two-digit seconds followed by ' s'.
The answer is 6 h 50 min
